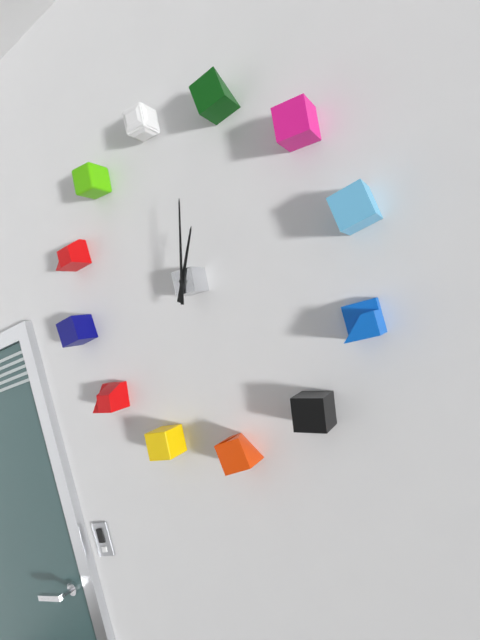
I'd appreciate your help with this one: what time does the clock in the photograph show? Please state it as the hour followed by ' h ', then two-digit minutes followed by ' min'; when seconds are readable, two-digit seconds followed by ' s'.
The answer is 1 h 03 min
